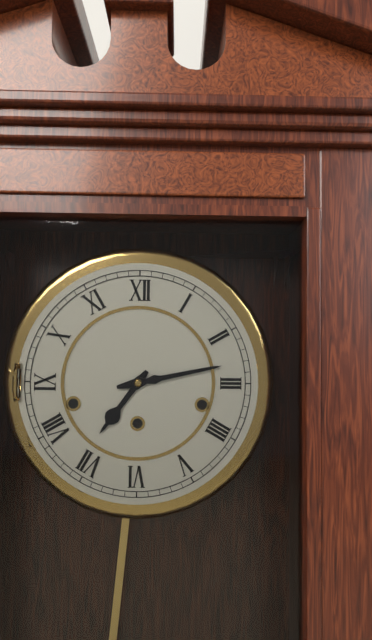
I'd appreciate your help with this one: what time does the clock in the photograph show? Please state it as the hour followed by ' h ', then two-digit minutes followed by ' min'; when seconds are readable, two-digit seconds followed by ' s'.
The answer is 7 h 13 min
